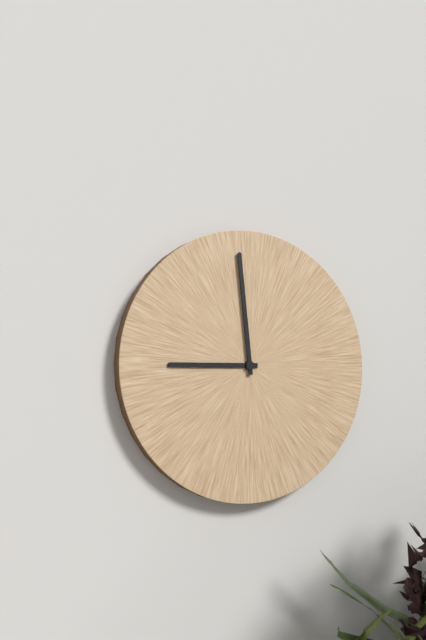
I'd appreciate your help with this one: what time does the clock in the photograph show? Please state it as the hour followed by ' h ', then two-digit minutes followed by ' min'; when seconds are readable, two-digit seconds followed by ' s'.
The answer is 8 h 59 min
